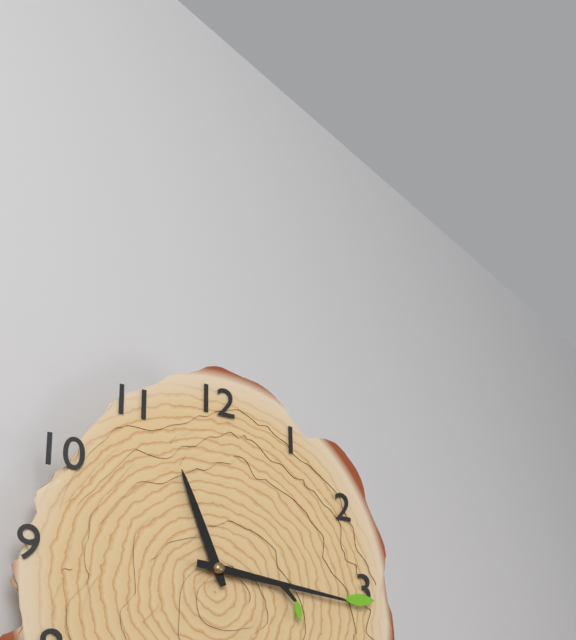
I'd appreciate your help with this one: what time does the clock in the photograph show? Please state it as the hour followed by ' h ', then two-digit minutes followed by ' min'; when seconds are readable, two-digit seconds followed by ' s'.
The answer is 11 h 16 min
